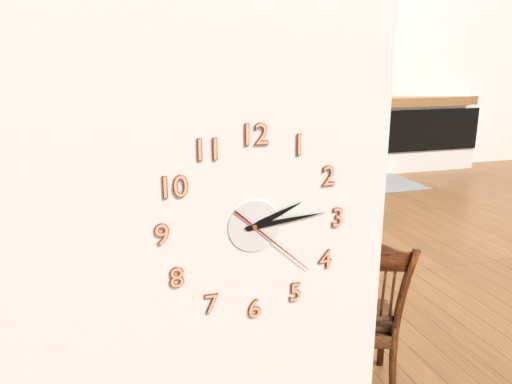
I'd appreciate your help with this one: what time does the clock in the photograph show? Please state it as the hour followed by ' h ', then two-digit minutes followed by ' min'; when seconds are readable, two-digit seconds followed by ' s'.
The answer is 2 h 14 min 22 s
